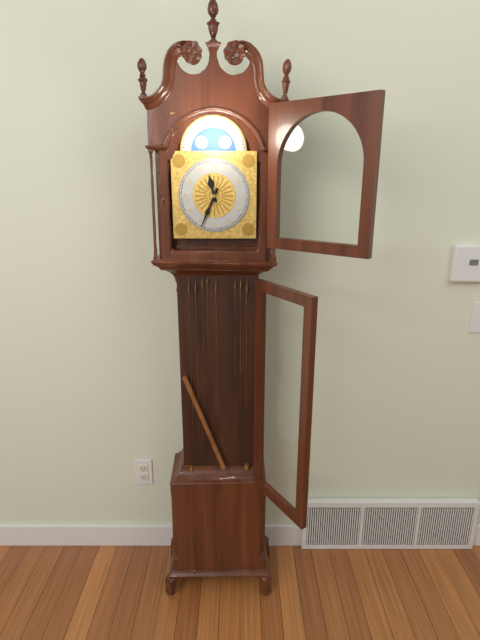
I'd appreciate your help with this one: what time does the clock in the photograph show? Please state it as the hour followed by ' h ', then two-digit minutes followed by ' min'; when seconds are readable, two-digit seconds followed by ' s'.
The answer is 11 h 34 min
